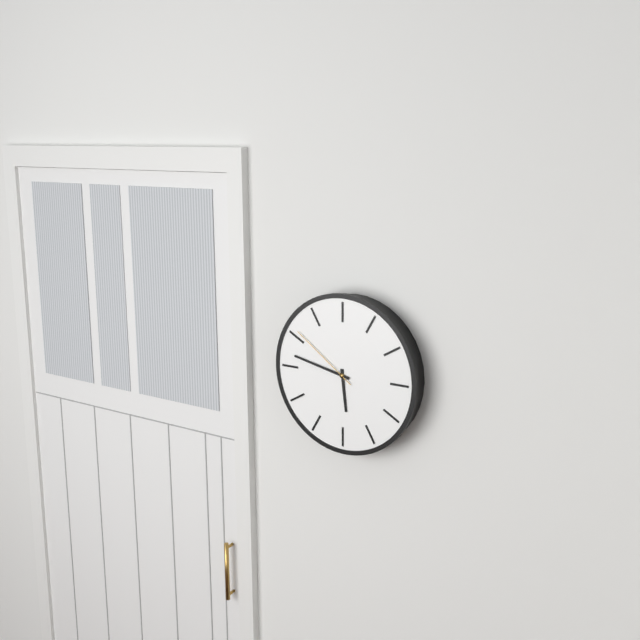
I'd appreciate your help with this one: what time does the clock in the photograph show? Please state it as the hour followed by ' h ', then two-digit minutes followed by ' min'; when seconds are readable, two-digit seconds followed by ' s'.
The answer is 5 h 47 min 51 s
